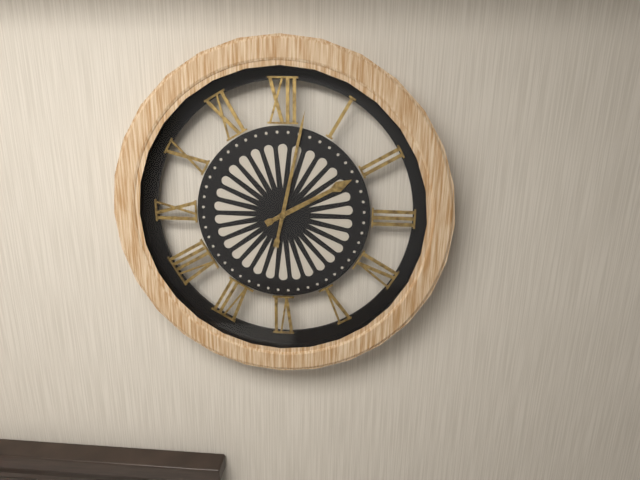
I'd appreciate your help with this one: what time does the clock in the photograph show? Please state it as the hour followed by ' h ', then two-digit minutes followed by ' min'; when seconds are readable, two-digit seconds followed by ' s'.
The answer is 2 h 02 min
